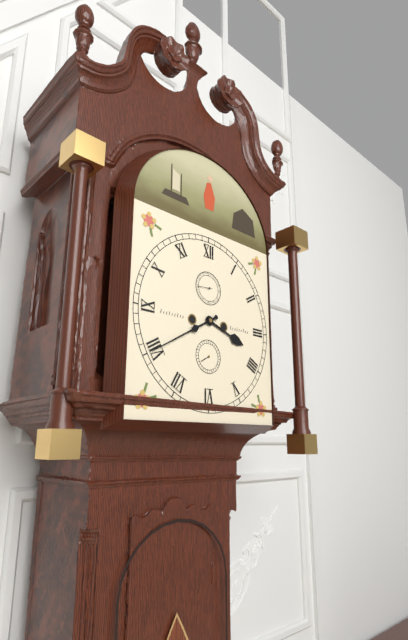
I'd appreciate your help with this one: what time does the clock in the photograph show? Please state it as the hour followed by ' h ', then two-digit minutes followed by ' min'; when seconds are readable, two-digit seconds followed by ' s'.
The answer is 3 h 40 min
